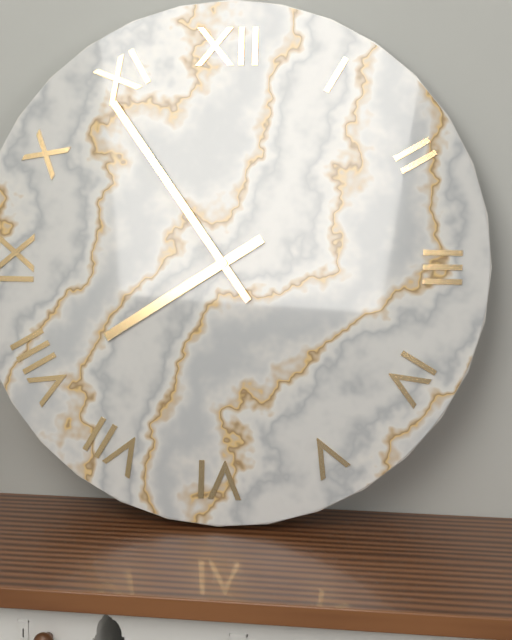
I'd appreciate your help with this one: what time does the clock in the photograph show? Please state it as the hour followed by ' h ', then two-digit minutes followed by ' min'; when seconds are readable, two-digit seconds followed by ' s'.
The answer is 7 h 54 min
